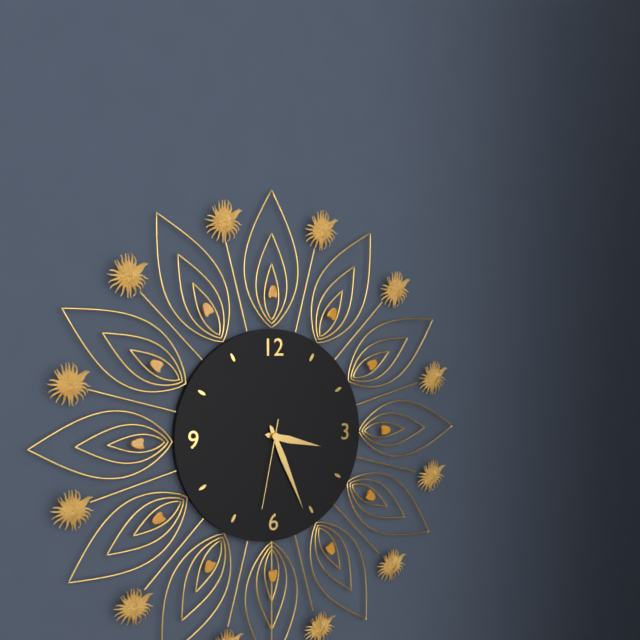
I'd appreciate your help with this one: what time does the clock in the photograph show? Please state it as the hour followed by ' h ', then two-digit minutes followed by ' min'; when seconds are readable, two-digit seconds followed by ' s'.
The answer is 3 h 26 min 32 s
